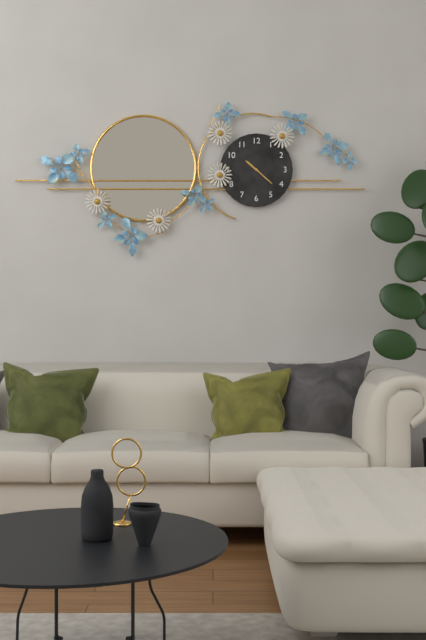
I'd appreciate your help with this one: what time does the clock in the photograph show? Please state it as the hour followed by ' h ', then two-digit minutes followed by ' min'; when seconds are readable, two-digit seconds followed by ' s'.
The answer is 10 h 22 min
